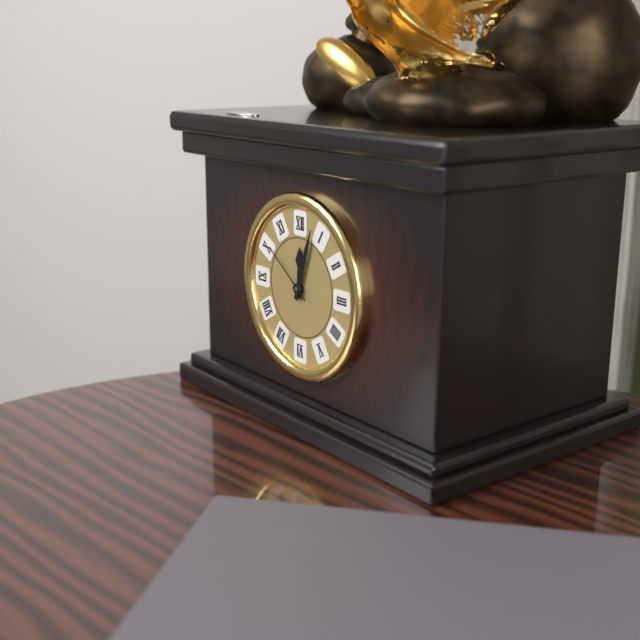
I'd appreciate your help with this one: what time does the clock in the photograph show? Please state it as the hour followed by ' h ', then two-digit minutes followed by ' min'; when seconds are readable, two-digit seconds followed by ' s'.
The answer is 12 h 03 min 51 s
